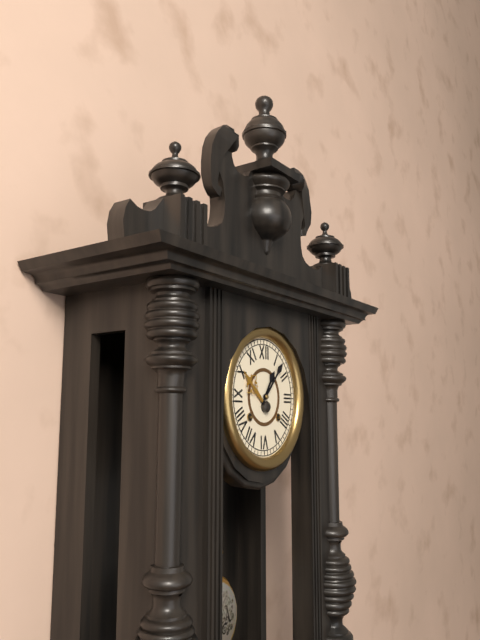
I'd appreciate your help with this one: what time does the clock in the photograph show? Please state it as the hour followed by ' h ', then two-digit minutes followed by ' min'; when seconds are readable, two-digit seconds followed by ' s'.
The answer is 1 h 07 min
